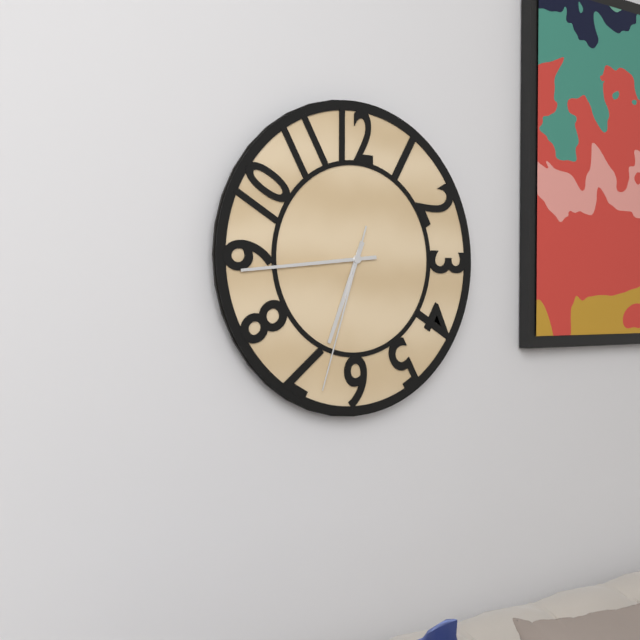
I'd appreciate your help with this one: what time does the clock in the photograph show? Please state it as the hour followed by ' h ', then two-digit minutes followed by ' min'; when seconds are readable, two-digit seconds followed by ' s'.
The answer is 6 h 44 min 33 s
